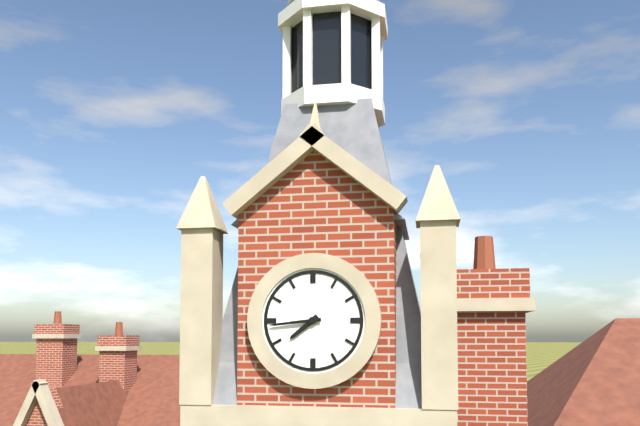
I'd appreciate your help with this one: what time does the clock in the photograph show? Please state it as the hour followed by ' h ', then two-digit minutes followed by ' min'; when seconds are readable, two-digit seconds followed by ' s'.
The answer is 7 h 44 min
